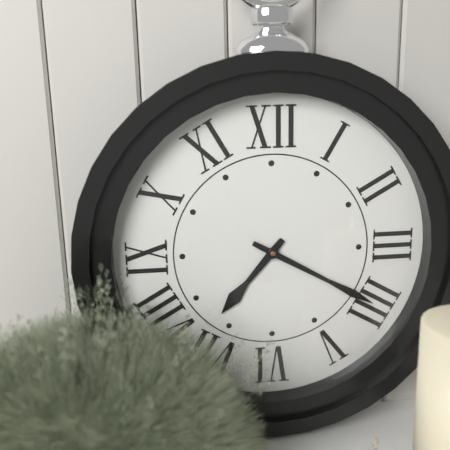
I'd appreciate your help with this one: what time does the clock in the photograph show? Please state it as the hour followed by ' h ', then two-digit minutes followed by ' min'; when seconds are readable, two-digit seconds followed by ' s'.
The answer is 7 h 20 min
